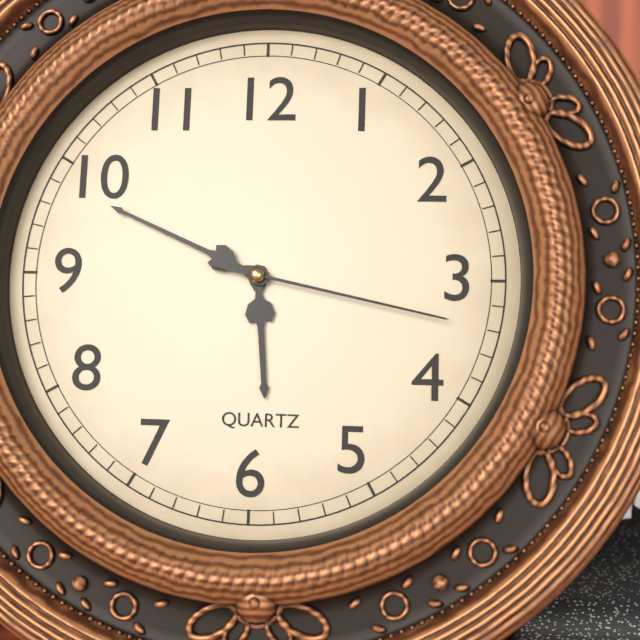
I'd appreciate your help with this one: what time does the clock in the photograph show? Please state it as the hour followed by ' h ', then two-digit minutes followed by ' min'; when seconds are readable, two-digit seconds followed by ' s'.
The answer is 5 h 49 min 17 s
